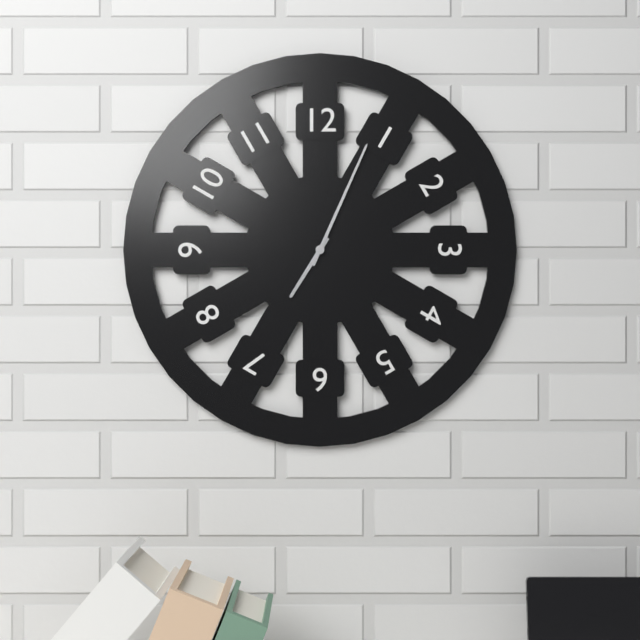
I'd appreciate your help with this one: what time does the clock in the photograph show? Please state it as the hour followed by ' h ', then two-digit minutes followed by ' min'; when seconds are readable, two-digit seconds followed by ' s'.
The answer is 7 h 04 min
